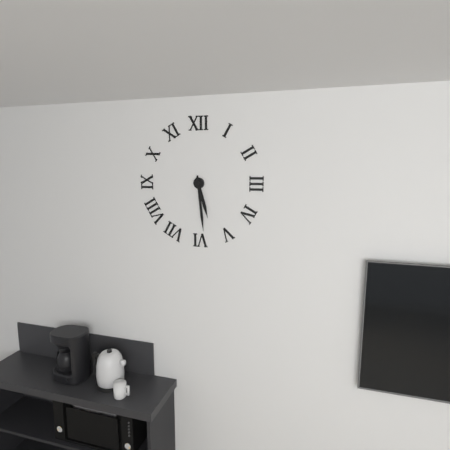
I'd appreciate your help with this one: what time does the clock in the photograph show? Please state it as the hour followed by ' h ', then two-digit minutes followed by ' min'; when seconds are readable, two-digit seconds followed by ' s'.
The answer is 5 h 29 min
